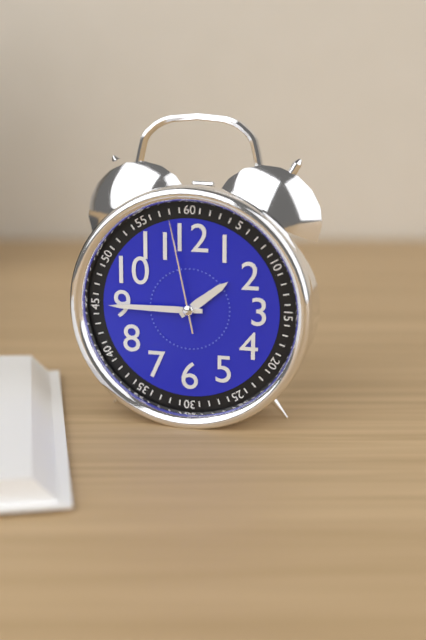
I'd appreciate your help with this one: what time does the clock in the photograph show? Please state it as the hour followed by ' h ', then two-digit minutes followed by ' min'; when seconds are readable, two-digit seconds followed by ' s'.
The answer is 1 h 45 min 58 s
